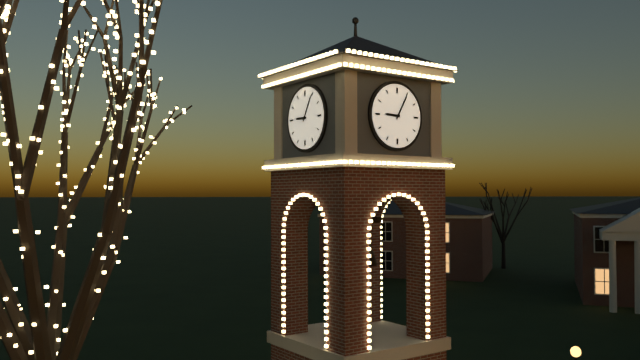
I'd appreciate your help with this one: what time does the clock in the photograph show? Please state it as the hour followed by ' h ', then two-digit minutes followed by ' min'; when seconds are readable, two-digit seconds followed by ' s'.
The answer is 9 h 05 min
